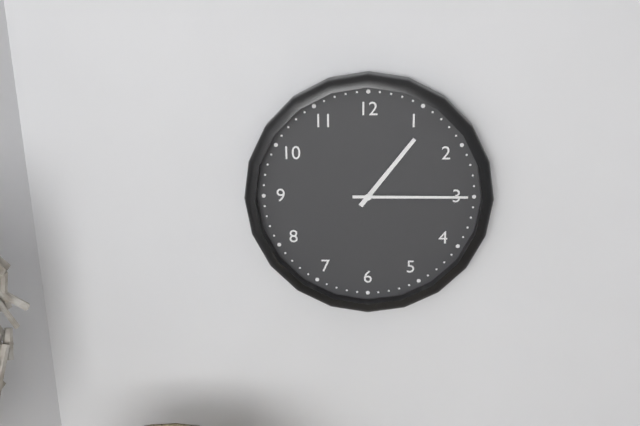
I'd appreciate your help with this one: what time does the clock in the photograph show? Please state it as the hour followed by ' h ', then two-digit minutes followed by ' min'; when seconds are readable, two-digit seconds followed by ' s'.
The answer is 1 h 15 min
